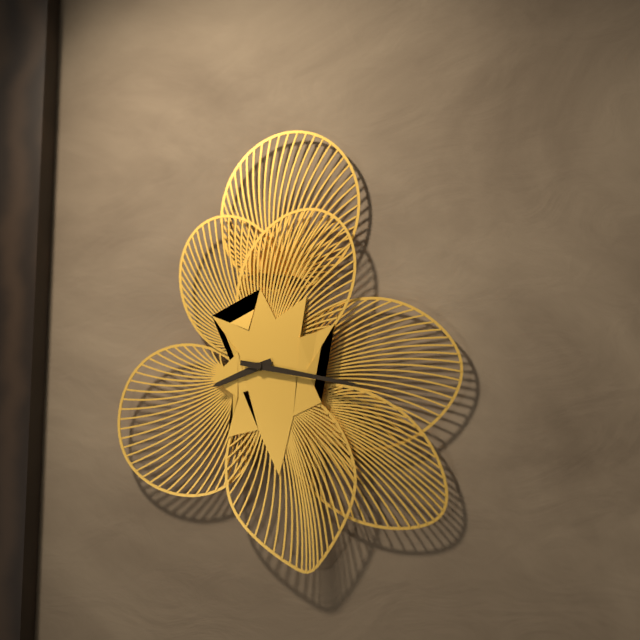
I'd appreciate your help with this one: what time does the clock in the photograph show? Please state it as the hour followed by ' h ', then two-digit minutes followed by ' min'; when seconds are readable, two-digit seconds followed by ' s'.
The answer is 8 h 17 min
